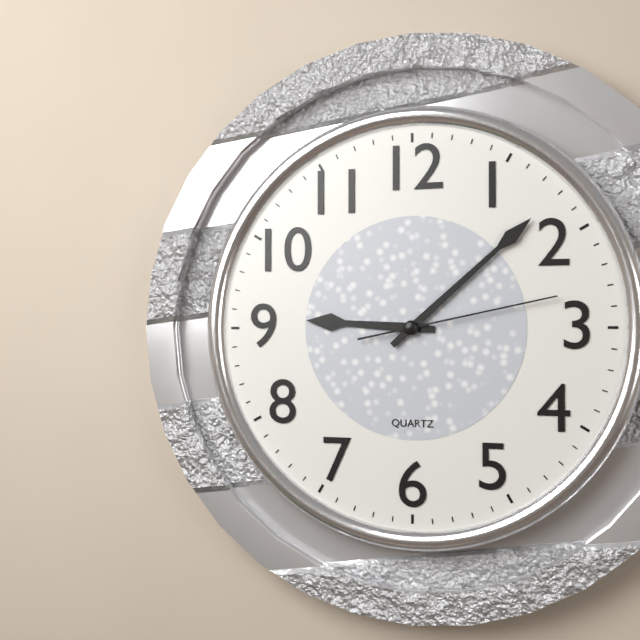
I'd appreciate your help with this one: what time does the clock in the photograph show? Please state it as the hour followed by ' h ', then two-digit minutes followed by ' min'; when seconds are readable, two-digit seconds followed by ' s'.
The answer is 9 h 08 min 13 s
